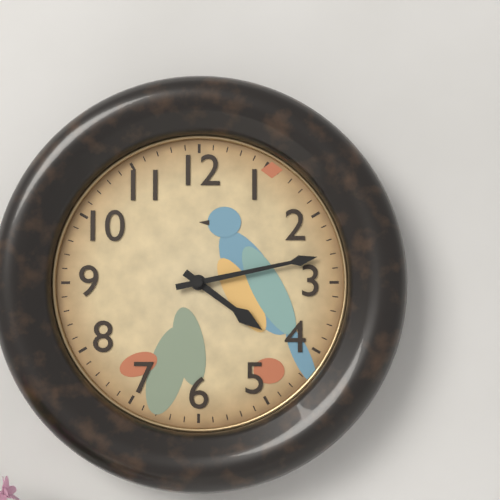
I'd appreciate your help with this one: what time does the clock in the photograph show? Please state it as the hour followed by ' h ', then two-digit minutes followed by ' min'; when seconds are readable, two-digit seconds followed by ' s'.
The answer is 4 h 13 min
